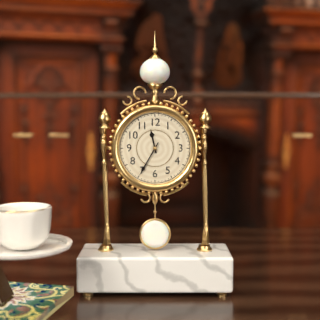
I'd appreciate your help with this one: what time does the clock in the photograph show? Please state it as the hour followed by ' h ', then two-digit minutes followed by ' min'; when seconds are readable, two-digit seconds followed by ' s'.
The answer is 11 h 35 min
